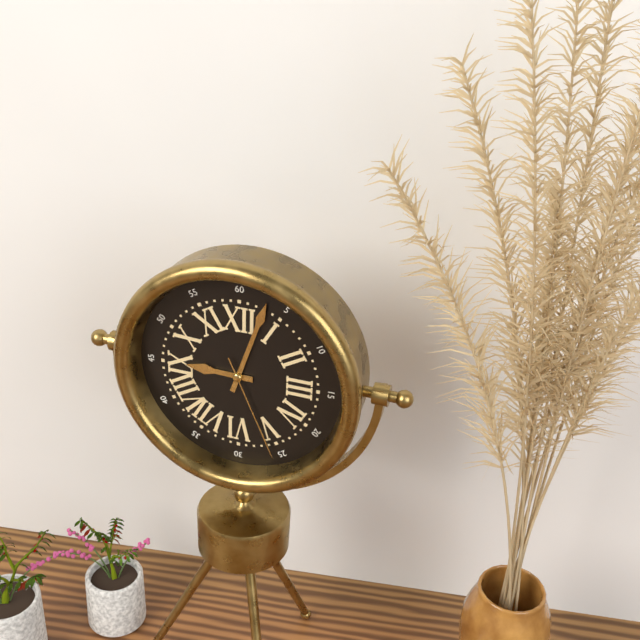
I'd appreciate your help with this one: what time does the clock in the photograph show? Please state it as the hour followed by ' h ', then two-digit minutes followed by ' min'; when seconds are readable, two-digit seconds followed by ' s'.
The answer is 9 h 03 min 26 s
